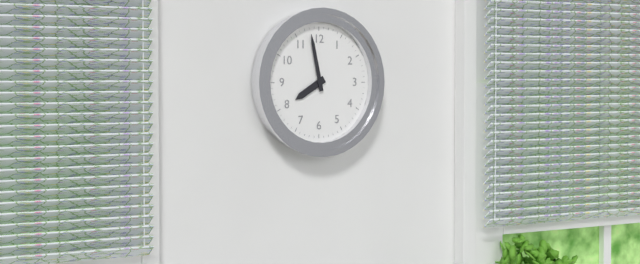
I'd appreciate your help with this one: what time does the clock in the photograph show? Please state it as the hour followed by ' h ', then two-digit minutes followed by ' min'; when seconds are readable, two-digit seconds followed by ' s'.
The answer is 7 h 58 min
